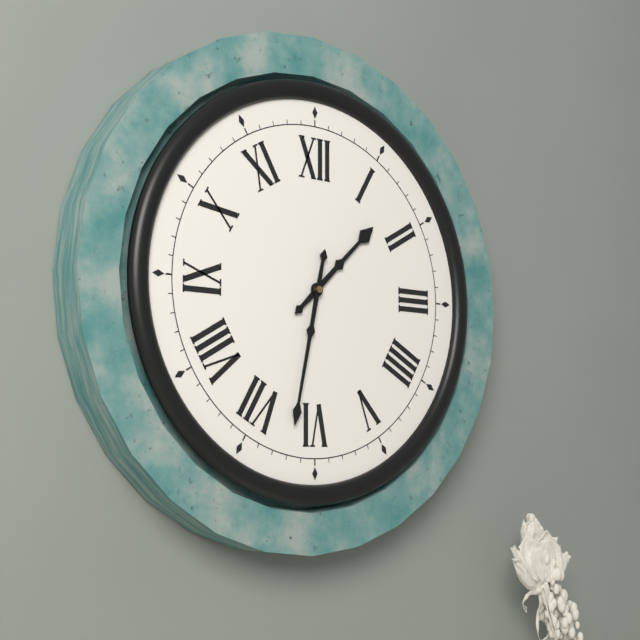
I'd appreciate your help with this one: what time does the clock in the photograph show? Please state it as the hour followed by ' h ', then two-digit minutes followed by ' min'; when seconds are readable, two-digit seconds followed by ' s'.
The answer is 1 h 32 min
